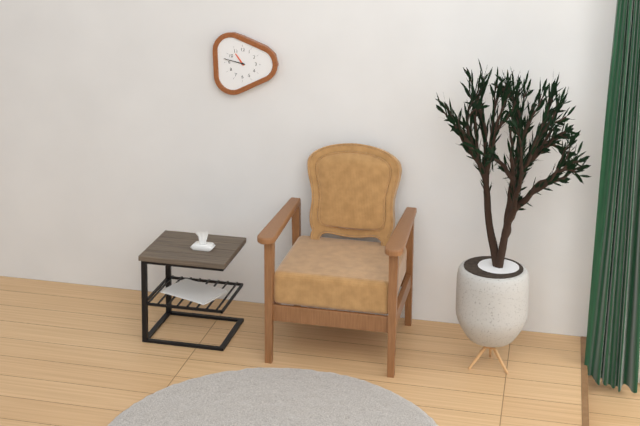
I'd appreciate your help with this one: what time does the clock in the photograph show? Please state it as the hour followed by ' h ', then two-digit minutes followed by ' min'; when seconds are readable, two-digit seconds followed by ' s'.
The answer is 10 h 47 min
